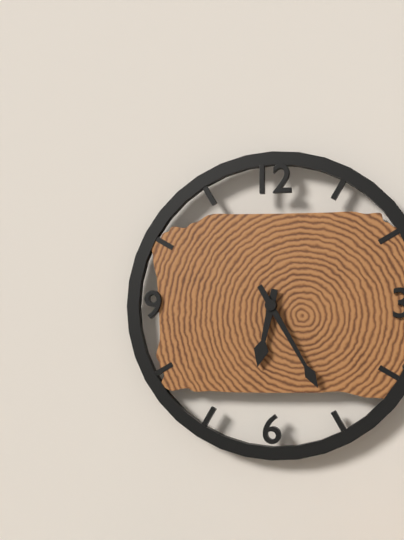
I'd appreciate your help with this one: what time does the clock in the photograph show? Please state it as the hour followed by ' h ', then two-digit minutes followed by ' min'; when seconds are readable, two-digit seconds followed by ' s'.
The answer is 6 h 25 min
